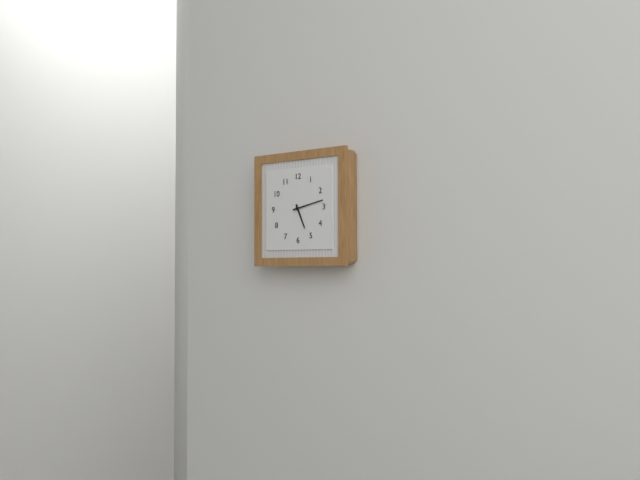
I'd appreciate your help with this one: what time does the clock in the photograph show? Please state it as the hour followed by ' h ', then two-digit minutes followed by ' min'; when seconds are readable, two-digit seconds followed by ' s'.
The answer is 5 h 13 min
